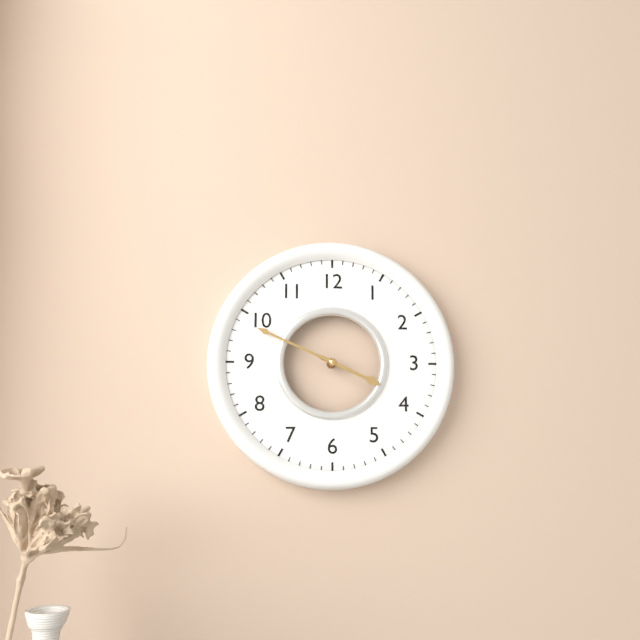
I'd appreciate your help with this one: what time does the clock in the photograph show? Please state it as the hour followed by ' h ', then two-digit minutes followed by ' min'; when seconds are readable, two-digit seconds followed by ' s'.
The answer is 3 h 49 min
